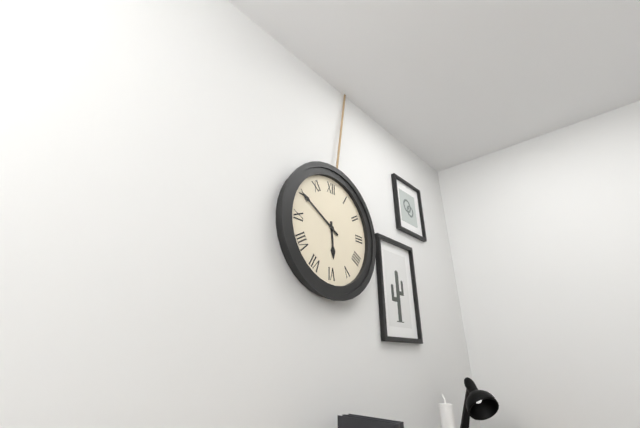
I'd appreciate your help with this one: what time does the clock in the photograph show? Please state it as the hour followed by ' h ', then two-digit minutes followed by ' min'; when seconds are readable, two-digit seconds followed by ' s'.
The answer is 5 h 50 min
